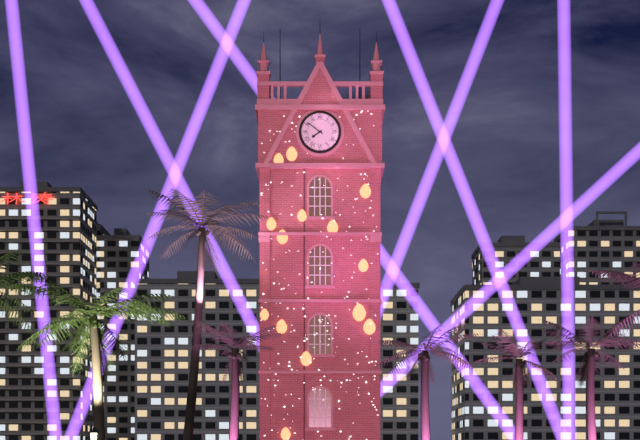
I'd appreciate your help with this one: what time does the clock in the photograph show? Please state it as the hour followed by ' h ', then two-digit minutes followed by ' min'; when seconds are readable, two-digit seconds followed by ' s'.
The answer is 7 h 51 min
